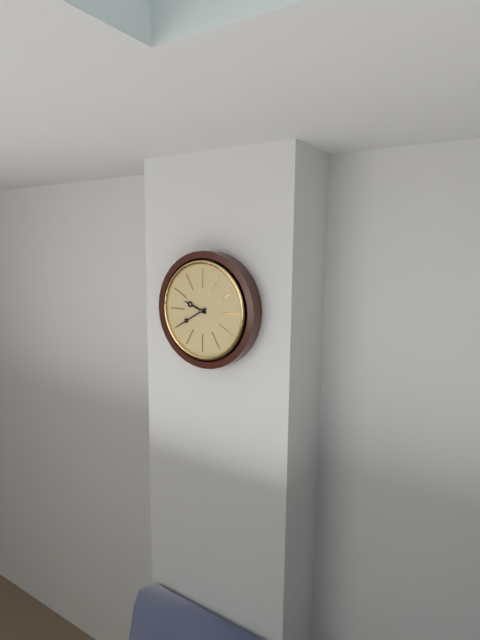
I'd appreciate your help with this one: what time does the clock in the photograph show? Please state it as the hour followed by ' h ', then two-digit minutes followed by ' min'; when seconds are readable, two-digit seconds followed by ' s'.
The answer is 9 h 40 min
